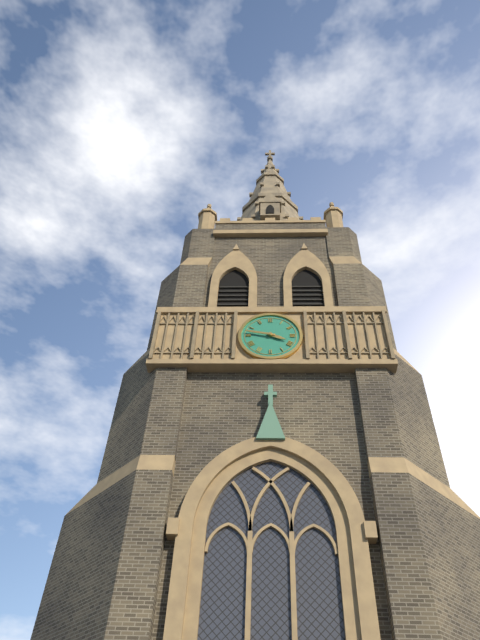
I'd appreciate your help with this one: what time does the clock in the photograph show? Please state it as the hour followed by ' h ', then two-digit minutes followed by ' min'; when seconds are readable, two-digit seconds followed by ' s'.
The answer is 3 h 47 min
